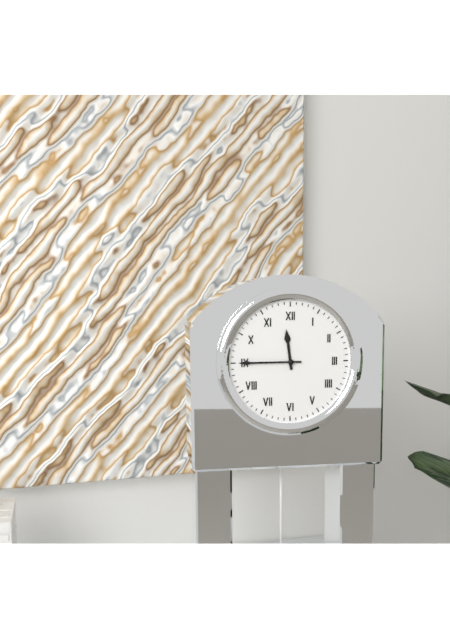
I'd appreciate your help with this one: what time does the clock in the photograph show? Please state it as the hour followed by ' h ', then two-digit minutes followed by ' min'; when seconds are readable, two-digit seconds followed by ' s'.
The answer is 11 h 45 min
